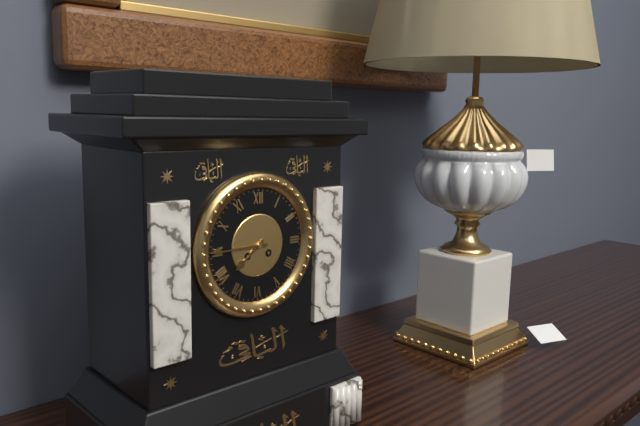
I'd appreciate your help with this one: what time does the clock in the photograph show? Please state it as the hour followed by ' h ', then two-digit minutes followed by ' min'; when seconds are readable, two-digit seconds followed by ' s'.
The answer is 7 h 45 min
